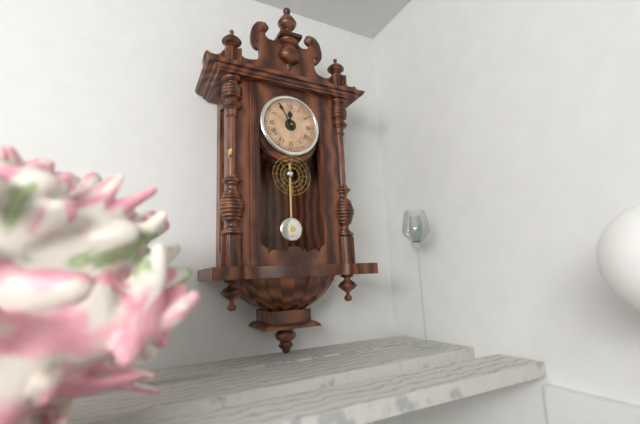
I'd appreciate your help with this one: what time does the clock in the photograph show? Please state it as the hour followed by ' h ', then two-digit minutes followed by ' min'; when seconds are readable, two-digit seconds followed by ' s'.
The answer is 11 h 55 min
